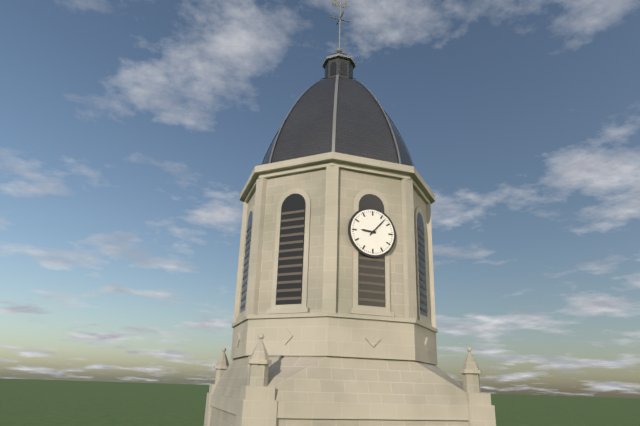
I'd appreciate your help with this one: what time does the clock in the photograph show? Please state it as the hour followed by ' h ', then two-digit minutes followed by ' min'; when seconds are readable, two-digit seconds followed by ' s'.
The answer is 9 h 07 min
